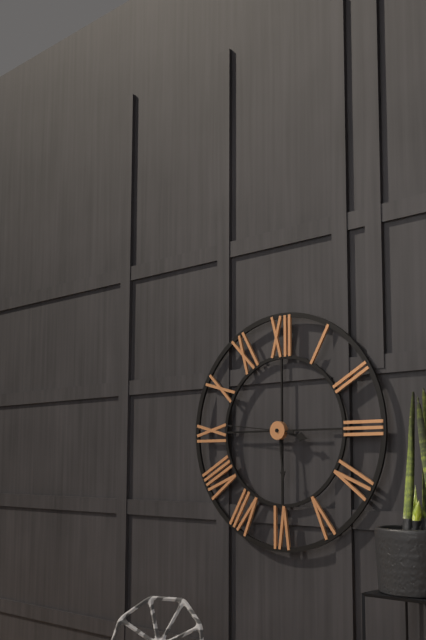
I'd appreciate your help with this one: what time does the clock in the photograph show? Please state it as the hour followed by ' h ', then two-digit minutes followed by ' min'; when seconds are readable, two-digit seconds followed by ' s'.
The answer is 3 h 29 min 46 s
